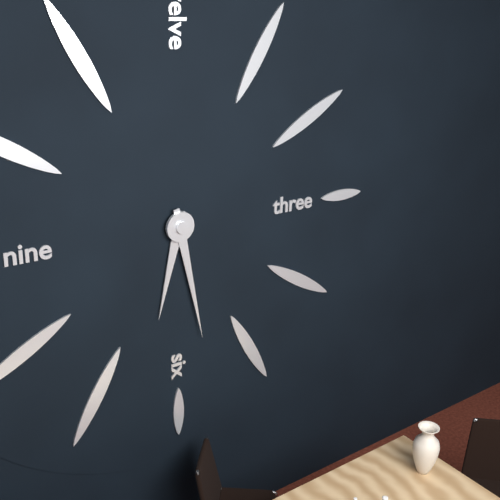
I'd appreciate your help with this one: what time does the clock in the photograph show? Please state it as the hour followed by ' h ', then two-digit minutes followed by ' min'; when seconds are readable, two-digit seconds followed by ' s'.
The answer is 6 h 28 min
